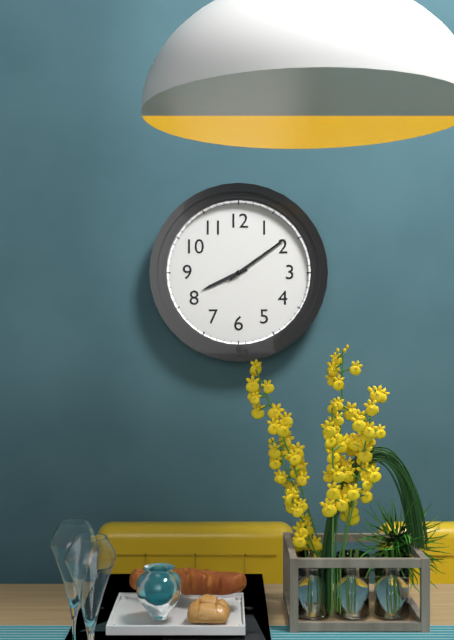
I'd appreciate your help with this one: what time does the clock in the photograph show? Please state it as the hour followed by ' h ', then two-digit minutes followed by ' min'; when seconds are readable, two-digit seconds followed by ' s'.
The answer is 8 h 09 min
